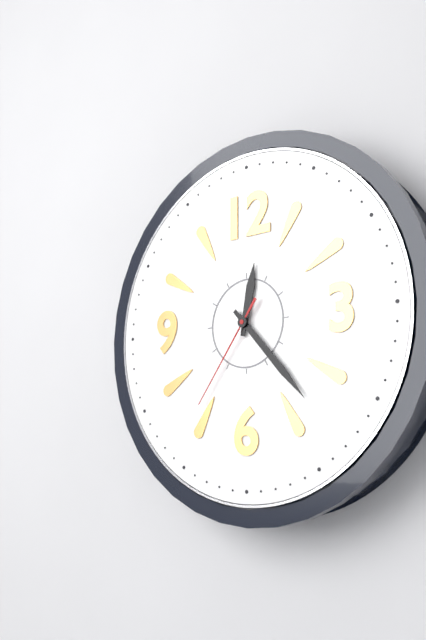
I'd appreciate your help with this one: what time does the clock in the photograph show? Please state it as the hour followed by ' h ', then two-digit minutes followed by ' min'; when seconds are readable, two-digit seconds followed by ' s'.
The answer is 12 h 23 min 36 s
